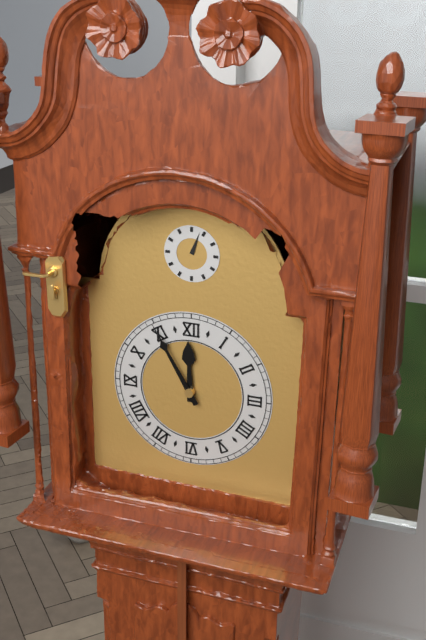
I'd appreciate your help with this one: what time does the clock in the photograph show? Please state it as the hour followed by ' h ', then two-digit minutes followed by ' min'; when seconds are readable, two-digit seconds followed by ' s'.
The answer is 11 h 55 min
